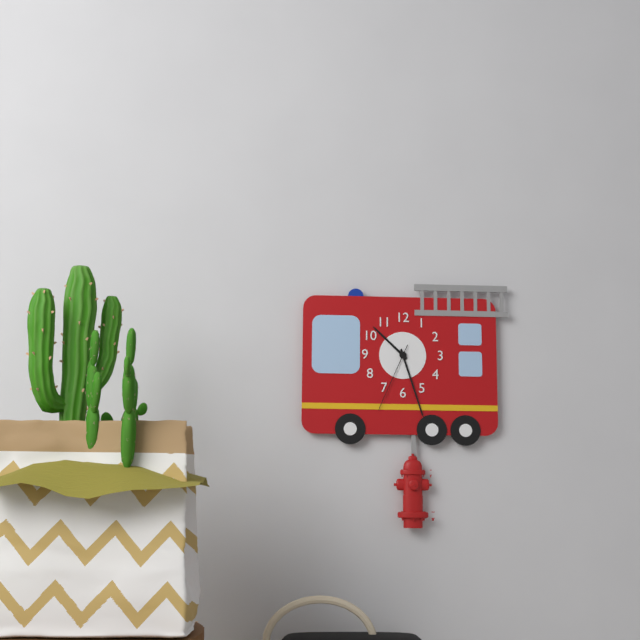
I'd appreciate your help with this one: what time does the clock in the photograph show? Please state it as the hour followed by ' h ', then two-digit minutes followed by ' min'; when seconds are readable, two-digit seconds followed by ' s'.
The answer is 10 h 27 min 34 s
